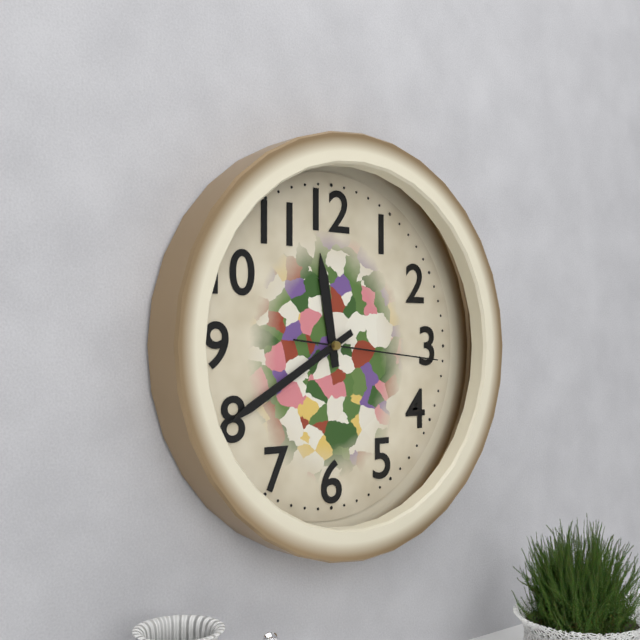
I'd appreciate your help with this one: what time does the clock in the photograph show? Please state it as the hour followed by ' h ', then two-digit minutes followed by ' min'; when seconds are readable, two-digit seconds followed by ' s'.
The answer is 11 h 40 min 16 s
